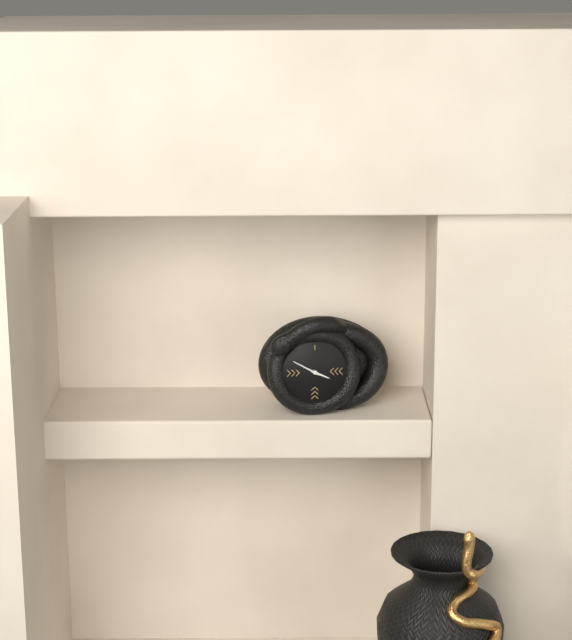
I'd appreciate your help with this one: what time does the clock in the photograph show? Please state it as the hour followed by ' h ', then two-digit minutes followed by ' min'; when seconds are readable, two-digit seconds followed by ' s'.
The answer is 3 h 50 min
